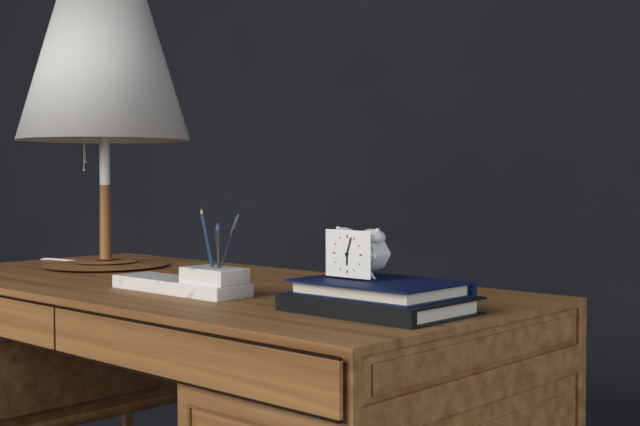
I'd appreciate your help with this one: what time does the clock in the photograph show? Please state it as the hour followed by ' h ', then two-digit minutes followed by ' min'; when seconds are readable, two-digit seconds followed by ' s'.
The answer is 6 h 03 min
